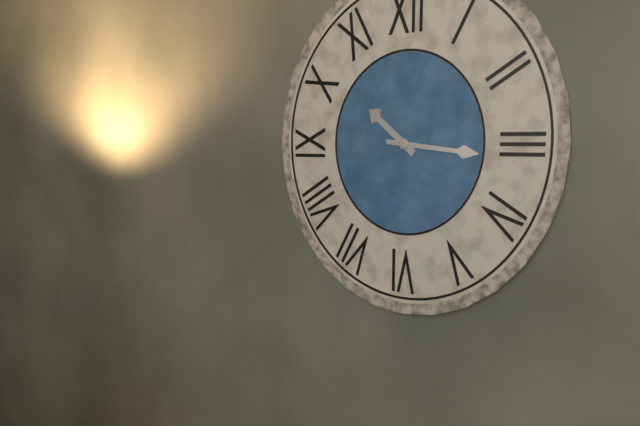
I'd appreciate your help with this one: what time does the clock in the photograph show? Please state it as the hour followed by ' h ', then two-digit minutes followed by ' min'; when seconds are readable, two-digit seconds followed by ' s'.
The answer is 10 h 16 min
